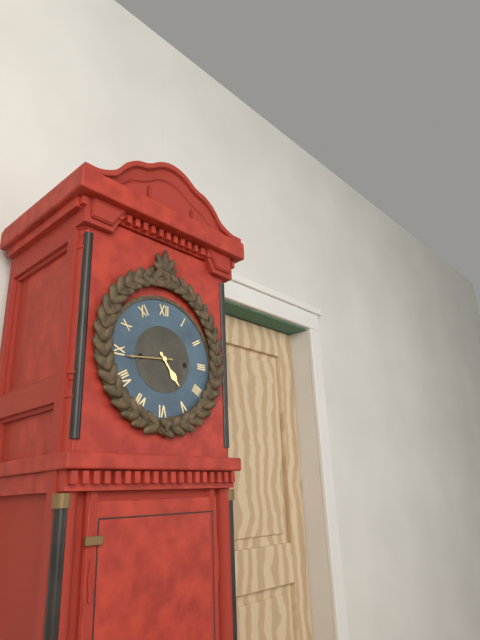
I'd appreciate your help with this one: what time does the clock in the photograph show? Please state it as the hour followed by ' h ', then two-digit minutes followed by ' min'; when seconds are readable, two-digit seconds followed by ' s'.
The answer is 4 h 44 min
